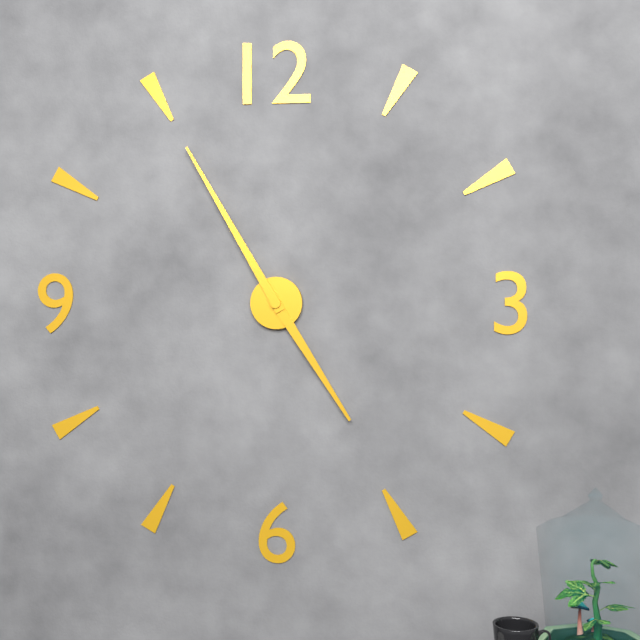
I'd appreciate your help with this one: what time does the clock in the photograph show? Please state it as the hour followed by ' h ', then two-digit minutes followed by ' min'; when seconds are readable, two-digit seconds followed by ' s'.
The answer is 4 h 55 min
